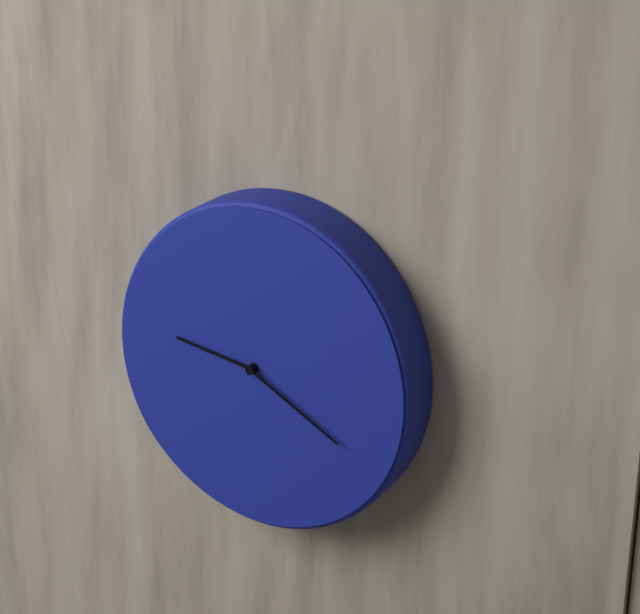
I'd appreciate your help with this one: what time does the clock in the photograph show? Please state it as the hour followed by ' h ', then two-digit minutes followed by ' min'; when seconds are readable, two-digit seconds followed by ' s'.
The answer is 9 h 20 min
